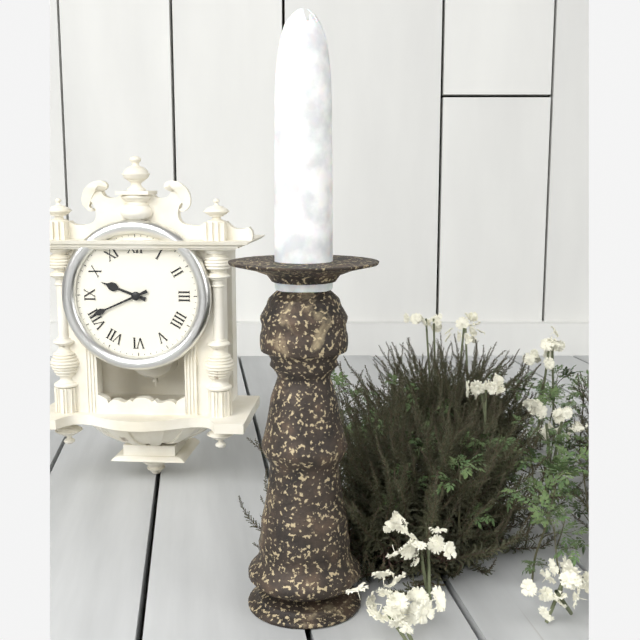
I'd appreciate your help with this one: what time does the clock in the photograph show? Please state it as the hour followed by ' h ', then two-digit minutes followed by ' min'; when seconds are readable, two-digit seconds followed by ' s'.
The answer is 9 h 41 min
